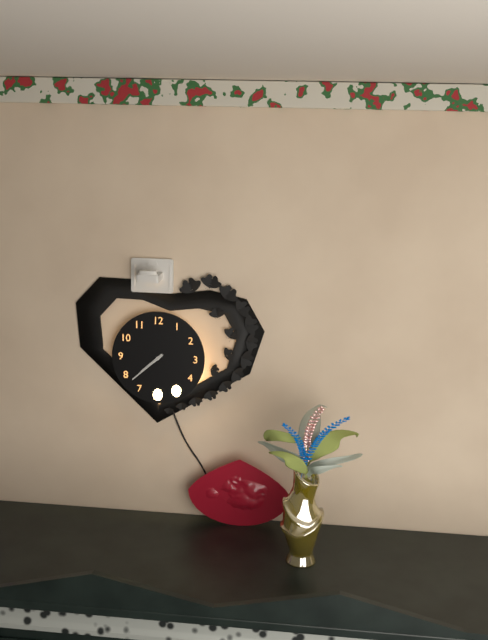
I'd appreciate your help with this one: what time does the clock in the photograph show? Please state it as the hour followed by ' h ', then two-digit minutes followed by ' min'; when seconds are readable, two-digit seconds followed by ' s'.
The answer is 7 h 38 min
